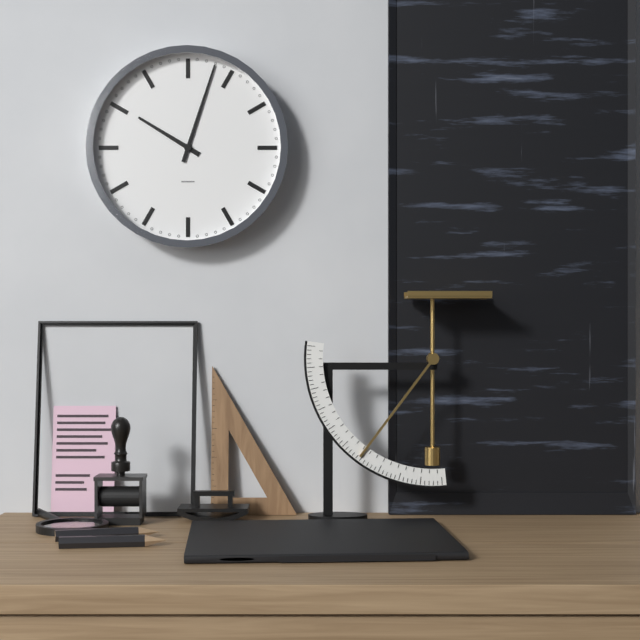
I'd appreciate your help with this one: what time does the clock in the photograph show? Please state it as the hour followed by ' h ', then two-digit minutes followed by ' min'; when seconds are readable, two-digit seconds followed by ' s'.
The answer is 10 h 03 min
